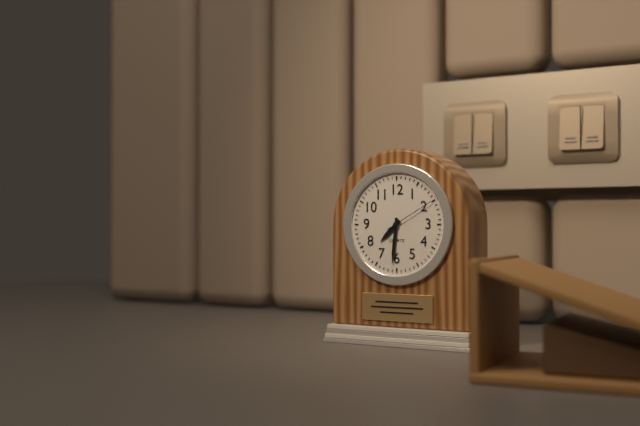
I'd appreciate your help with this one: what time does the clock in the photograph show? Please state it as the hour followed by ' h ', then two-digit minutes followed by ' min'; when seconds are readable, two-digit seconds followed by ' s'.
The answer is 7 h 31 min 10 s
